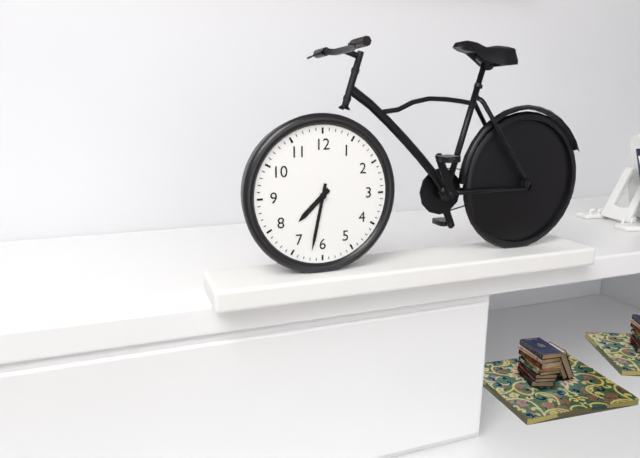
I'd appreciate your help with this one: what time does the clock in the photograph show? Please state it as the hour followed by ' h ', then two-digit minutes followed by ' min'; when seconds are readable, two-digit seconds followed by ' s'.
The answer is 7 h 32 min
